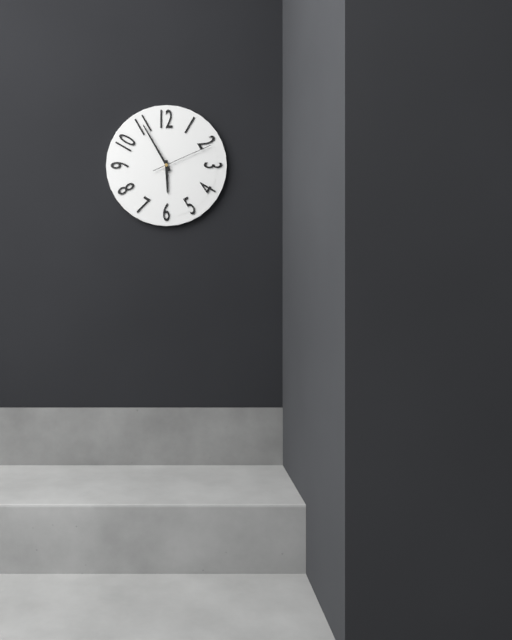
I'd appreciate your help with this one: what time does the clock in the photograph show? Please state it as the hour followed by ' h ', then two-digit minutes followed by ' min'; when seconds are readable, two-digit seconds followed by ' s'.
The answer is 5 h 55 min 11 s
